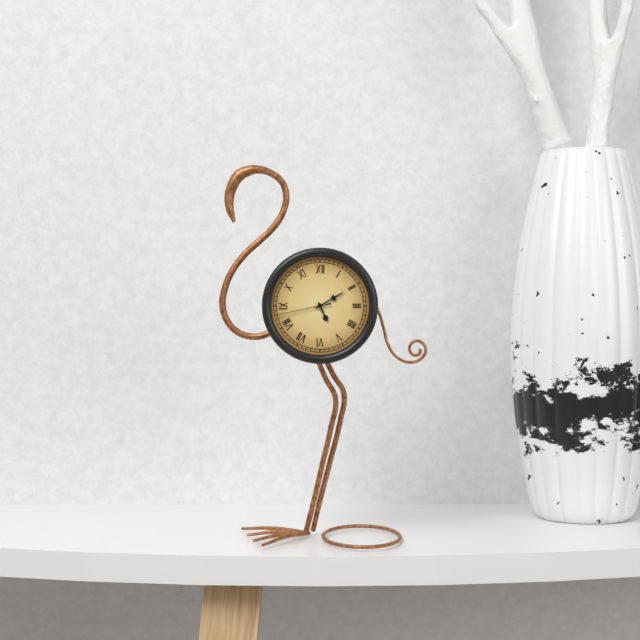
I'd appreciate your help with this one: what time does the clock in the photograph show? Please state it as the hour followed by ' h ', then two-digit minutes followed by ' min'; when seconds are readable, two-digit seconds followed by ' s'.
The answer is 5 h 10 min 43 s
